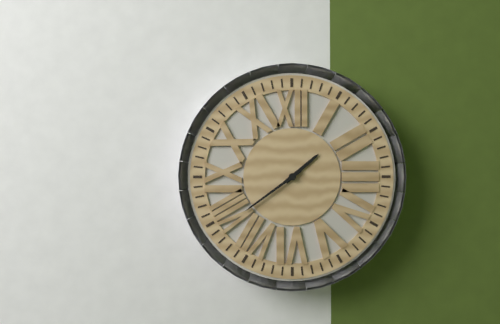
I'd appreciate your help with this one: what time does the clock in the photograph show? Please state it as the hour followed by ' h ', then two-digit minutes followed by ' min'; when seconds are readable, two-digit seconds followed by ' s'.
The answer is 1 h 39 min
